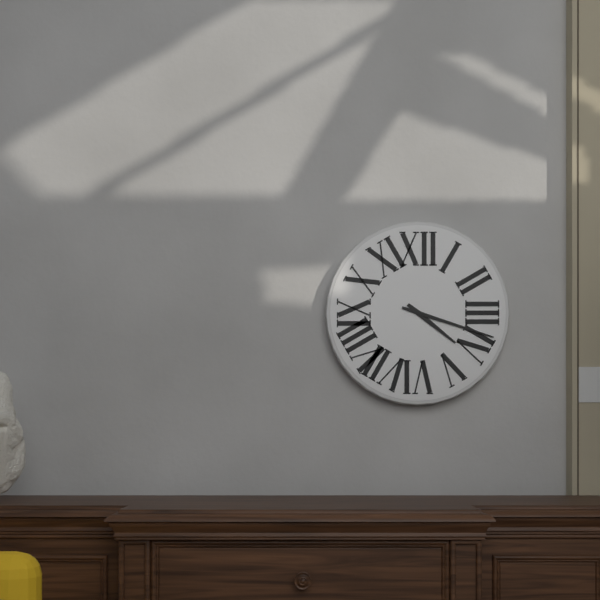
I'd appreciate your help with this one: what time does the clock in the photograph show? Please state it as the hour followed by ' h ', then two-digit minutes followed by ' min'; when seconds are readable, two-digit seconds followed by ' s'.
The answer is 4 h 18 min
